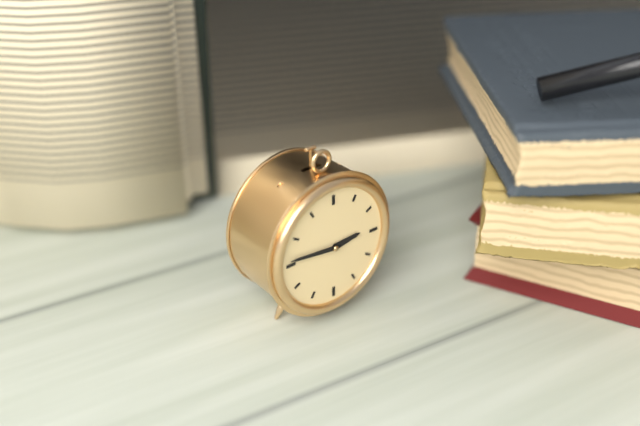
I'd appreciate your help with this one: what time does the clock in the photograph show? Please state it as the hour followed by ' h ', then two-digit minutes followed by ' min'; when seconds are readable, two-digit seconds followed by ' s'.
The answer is 2 h 46 min
